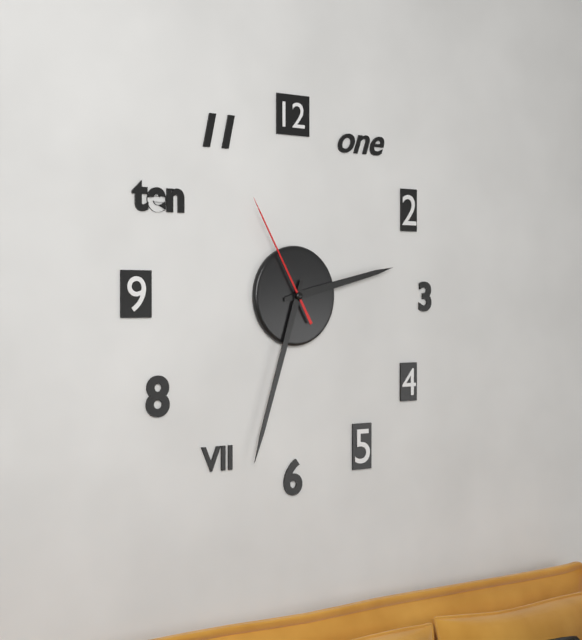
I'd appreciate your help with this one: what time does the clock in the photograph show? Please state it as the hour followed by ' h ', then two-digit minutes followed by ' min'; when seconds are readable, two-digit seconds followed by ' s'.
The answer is 2 h 33 min 55 s
